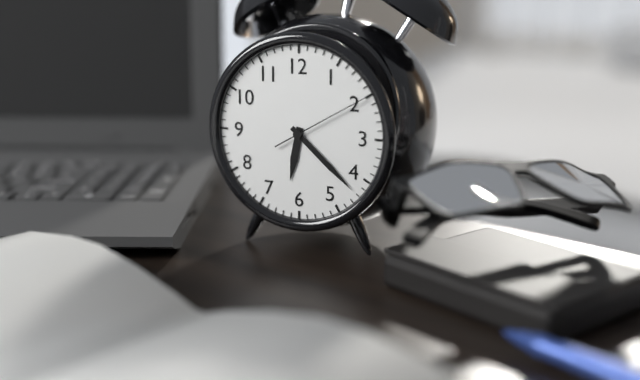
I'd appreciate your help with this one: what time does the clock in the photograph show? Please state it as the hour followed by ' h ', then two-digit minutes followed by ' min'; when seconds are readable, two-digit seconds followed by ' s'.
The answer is 6 h 22 min 10 s
